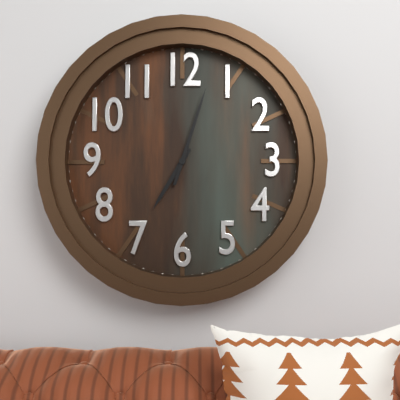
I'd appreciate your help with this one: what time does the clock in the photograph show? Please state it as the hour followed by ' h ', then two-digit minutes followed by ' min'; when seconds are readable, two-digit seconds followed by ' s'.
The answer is 7 h 03 min
